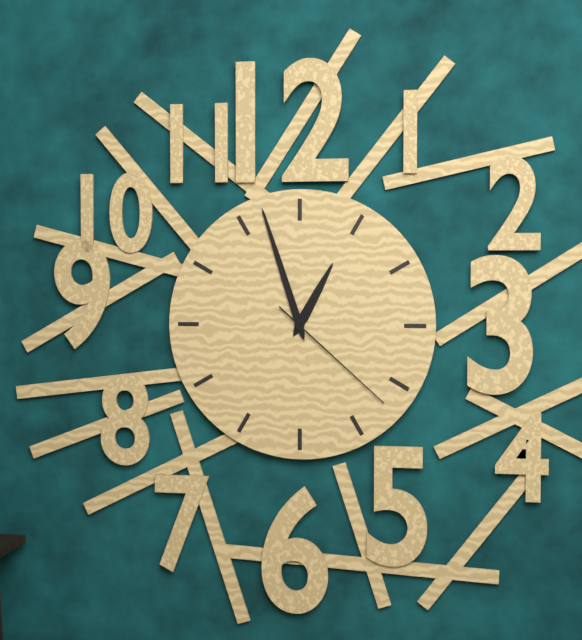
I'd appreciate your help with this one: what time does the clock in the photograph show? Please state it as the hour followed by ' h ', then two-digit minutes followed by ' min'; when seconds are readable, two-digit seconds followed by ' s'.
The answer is 12 h 57 min 22 s
